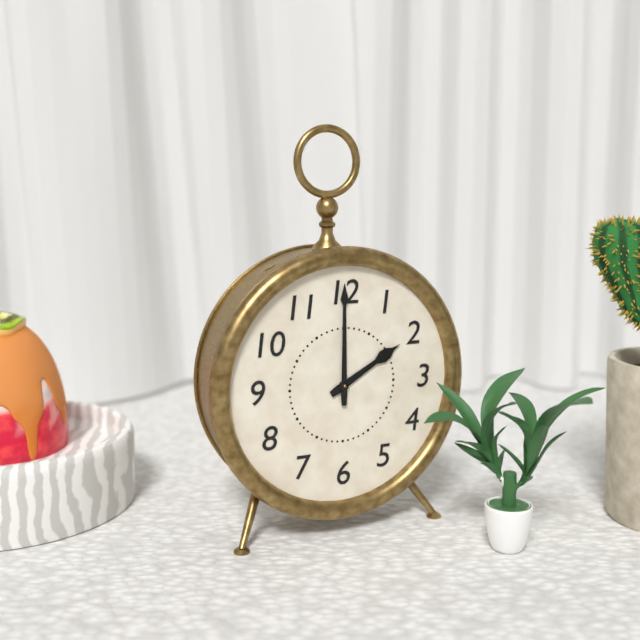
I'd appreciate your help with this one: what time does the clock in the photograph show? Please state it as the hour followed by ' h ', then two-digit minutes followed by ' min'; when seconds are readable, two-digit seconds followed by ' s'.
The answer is 2 h 00 min
